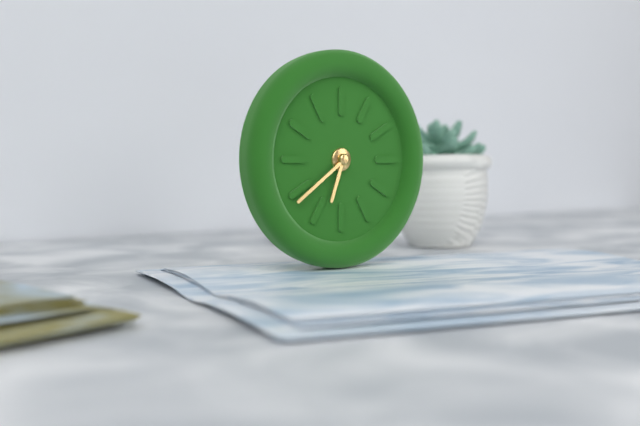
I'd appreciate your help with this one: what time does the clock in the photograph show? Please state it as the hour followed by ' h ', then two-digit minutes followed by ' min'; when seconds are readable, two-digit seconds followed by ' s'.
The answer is 6 h 39 min
